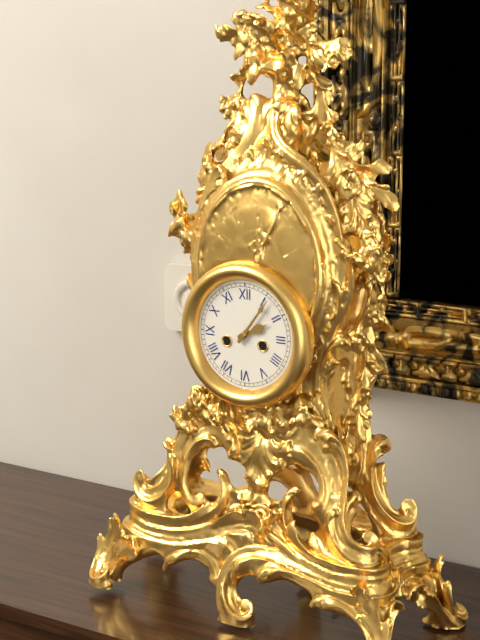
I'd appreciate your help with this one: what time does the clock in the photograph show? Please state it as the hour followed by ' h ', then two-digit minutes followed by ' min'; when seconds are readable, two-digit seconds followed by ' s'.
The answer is 2 h 06 min
